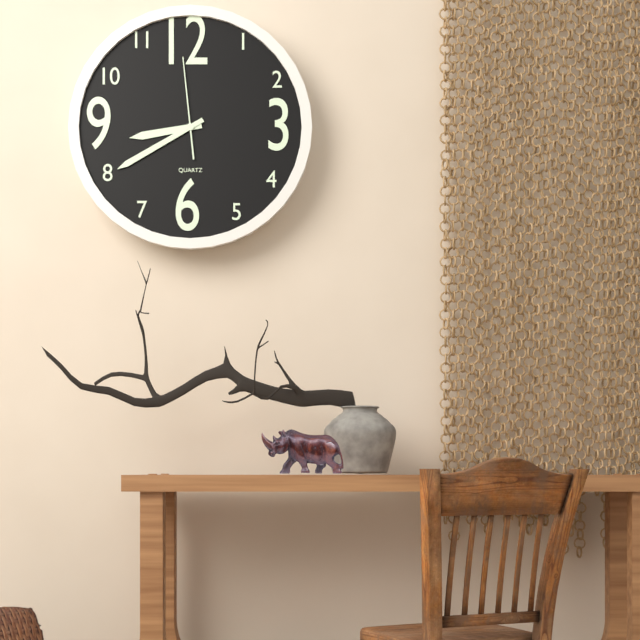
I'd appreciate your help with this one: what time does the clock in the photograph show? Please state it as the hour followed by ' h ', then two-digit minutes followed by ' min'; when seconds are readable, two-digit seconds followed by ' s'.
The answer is 8 h 40 min 59 s
